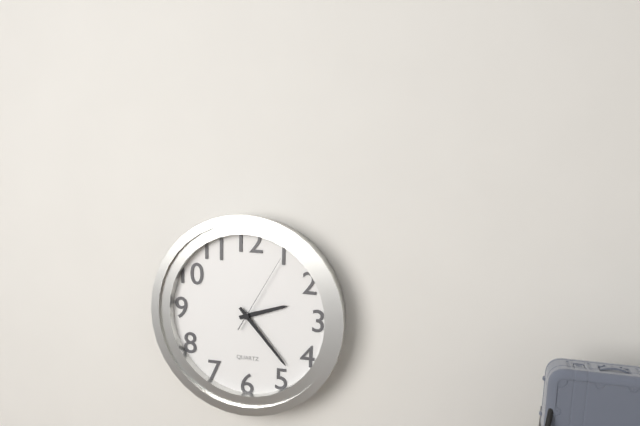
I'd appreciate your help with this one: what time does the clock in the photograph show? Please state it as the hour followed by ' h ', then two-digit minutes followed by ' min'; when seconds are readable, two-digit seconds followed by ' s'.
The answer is 2 h 23 min 05 s
